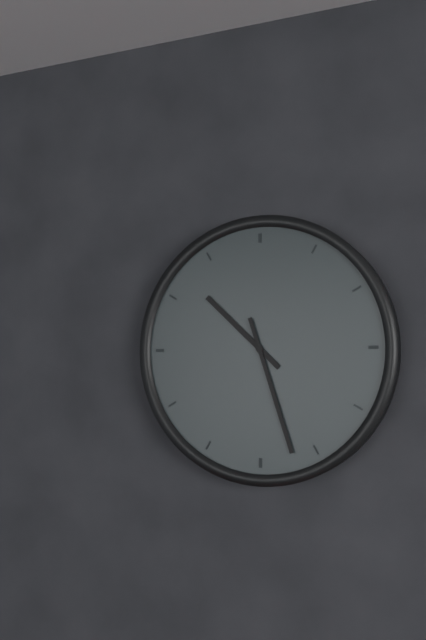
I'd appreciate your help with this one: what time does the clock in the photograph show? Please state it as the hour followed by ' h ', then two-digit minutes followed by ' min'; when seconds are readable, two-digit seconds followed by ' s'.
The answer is 10 h 27 min
